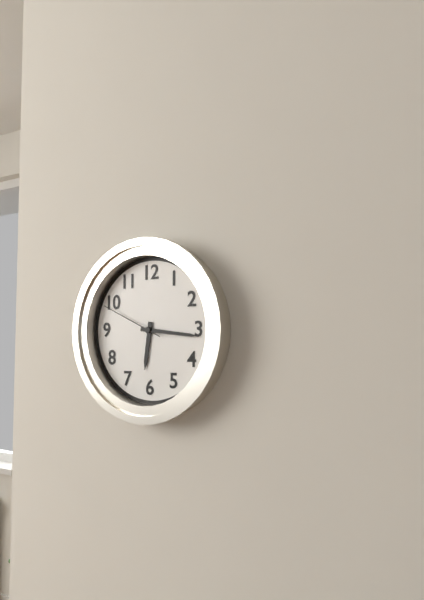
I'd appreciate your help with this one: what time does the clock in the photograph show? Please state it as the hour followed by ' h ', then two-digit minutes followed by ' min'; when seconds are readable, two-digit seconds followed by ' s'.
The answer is 6 h 16 min 49 s
